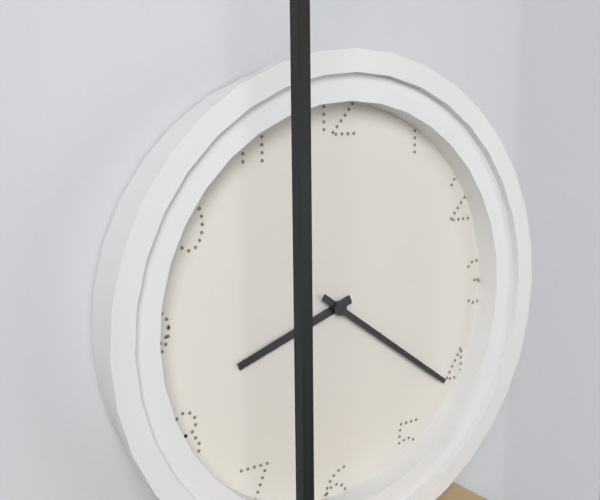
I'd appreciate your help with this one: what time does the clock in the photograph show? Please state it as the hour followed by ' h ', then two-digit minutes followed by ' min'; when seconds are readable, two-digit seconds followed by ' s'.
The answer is 8 h 21 min
